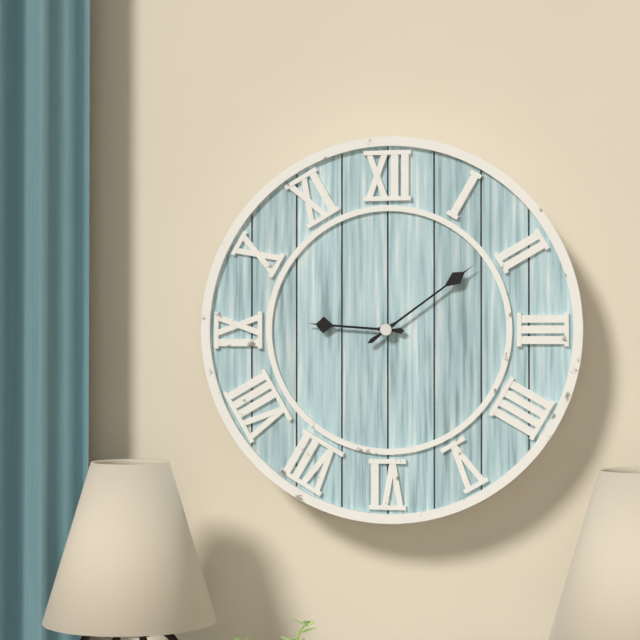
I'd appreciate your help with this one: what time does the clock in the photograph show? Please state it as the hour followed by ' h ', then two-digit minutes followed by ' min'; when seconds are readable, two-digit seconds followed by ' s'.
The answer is 9 h 09 min
